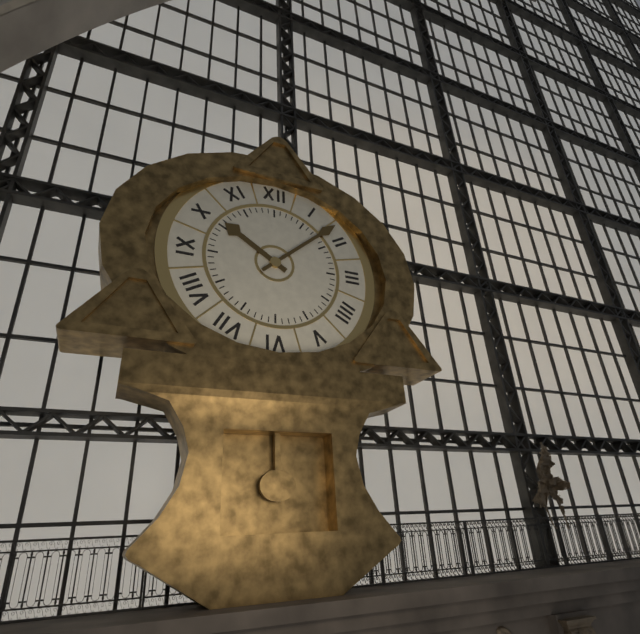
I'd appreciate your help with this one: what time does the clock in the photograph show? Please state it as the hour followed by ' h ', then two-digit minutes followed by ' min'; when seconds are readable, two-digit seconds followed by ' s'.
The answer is 10 h 08 min
